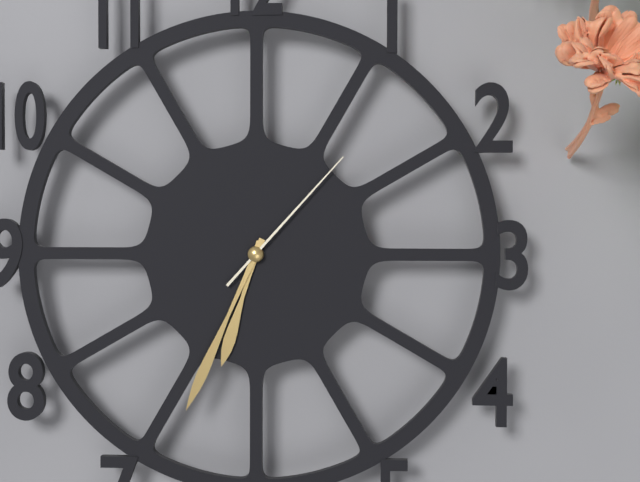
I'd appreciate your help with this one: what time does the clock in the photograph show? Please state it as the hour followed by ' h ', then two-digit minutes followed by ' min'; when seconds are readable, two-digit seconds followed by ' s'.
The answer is 6 h 34 min 07 s
